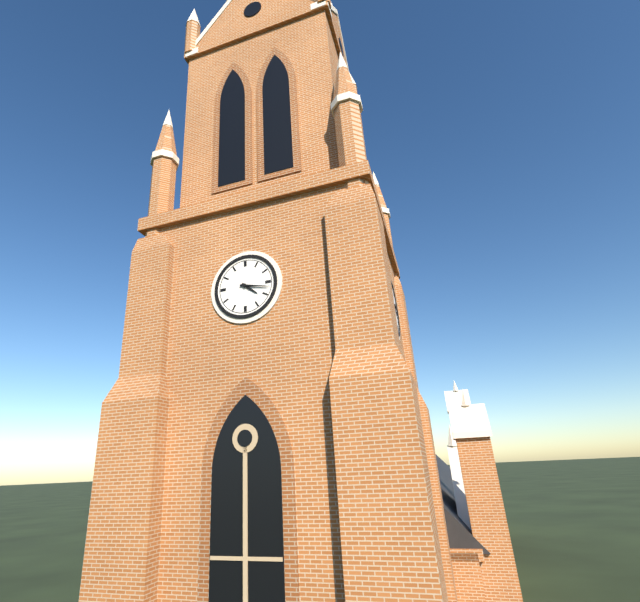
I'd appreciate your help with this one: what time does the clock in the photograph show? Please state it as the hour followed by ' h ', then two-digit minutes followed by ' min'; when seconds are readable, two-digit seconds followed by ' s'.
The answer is 4 h 17 min
